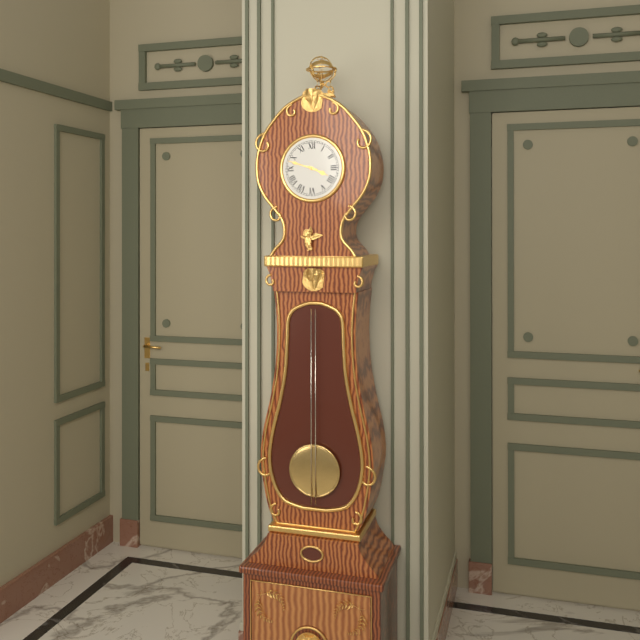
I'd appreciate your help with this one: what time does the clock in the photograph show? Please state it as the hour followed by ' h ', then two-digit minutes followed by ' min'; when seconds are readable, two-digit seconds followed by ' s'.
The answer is 3 h 48 min
